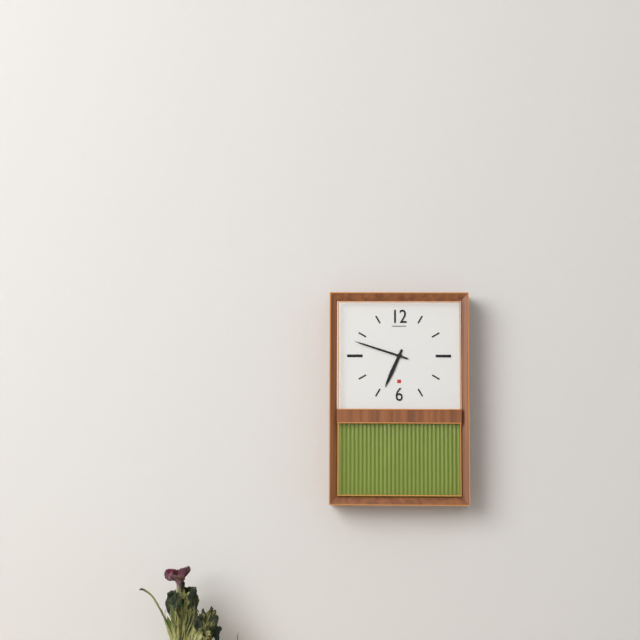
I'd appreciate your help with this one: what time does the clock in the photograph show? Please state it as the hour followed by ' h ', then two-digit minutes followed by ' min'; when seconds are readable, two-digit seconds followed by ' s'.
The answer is 6 h 48 min
